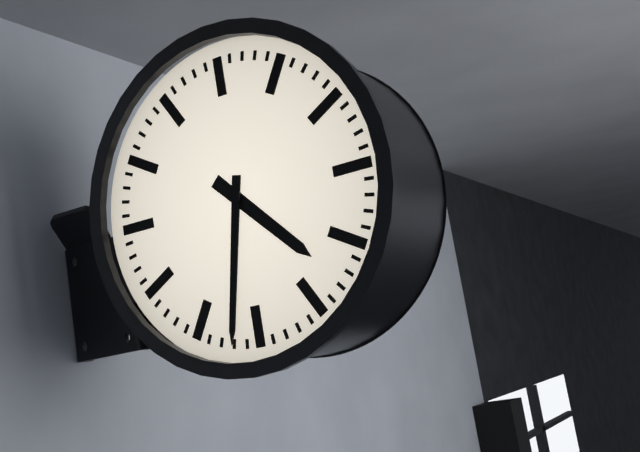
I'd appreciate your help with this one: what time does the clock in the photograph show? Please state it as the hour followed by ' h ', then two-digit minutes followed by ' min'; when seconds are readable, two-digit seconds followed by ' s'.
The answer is 4 h 32 min
